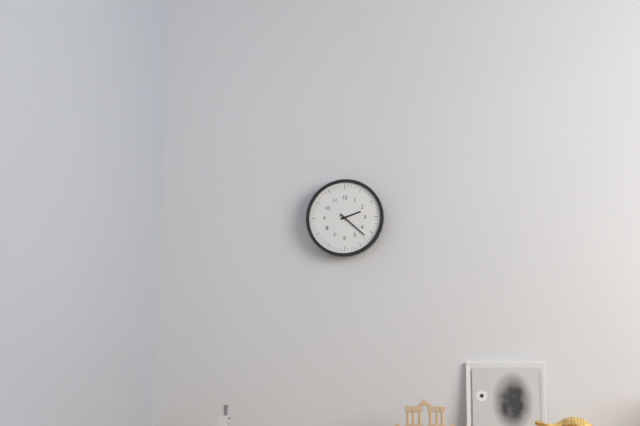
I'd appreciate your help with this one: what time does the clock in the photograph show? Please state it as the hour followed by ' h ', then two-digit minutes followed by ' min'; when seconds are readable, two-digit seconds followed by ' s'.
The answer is 2 h 22 min
